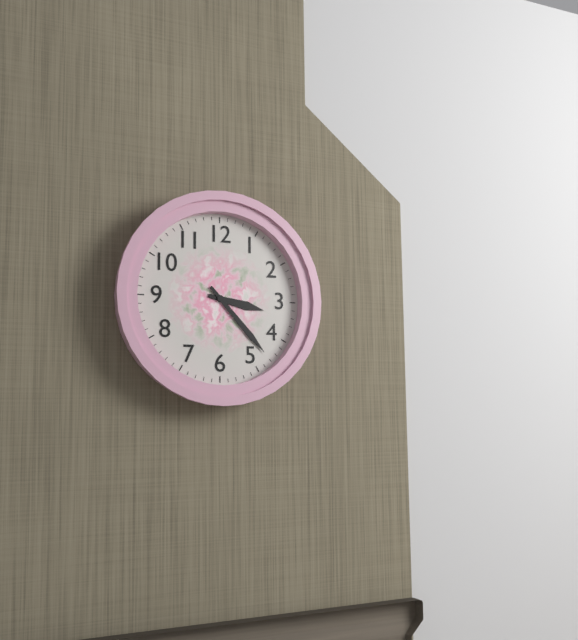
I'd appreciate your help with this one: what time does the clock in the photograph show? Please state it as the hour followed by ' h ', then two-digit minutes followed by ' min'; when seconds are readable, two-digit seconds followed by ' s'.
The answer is 3 h 23 min
